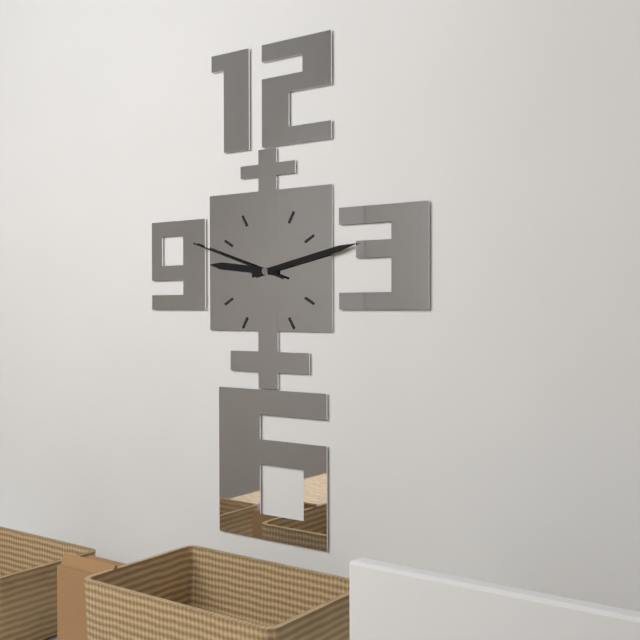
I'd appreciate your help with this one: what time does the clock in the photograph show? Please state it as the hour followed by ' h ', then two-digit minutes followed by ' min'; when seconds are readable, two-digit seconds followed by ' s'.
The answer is 9 h 13 min 48 s
